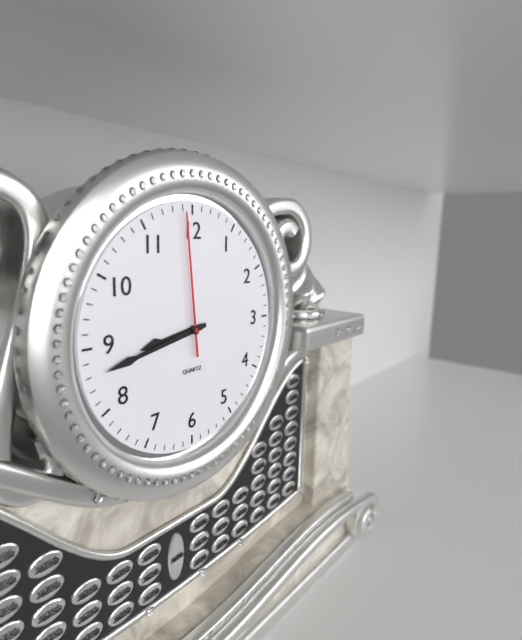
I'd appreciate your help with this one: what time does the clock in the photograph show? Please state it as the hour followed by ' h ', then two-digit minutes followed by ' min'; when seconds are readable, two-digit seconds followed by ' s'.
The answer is 8 h 43 min 59 s
